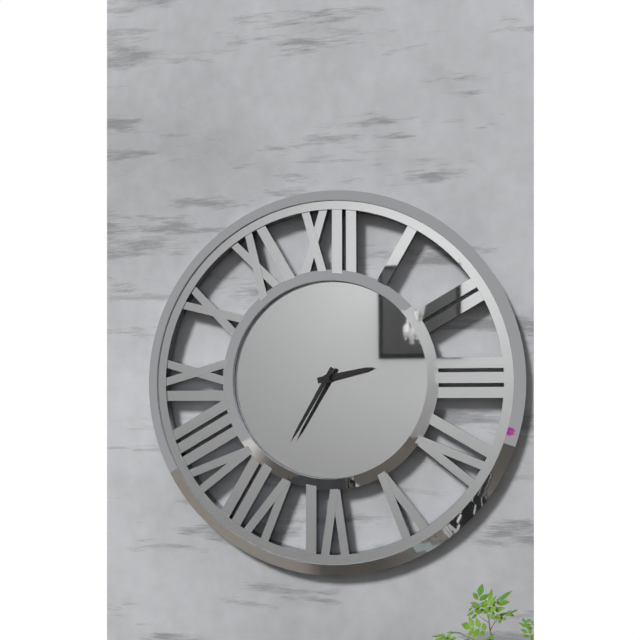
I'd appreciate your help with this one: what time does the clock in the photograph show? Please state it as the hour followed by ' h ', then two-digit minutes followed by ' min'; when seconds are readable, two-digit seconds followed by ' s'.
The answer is 2 h 35 min
